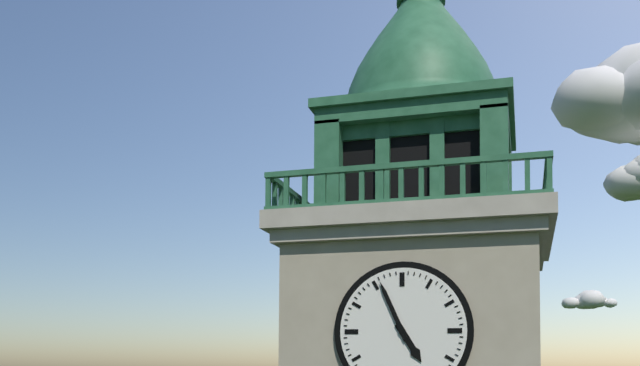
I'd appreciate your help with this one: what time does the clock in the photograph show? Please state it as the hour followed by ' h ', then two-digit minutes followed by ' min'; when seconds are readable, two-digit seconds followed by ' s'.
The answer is 4 h 56 min
